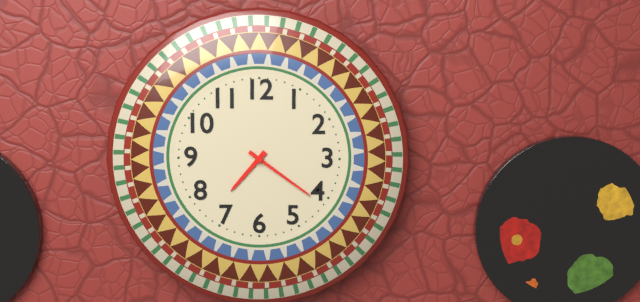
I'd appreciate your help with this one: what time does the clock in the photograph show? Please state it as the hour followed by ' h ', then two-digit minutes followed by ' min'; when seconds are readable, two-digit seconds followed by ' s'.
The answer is 7 h 21 min
